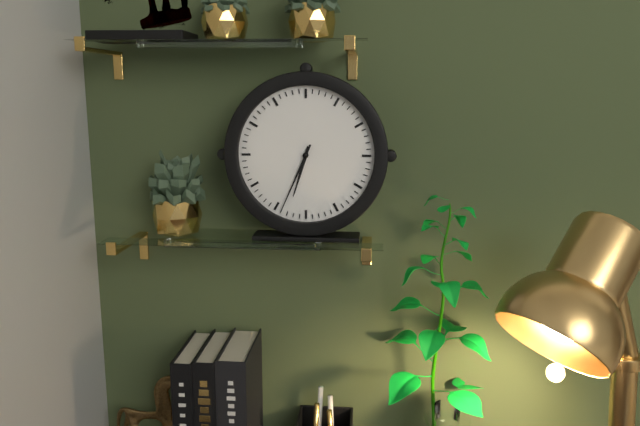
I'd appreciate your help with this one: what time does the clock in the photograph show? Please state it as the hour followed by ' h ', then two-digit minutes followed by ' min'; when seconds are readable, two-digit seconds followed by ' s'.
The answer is 6 h 34 min
